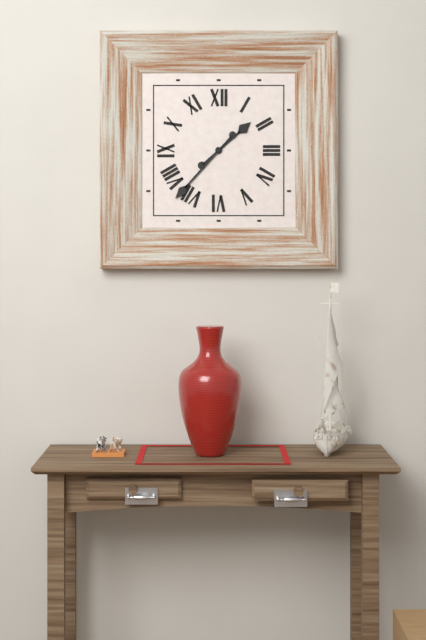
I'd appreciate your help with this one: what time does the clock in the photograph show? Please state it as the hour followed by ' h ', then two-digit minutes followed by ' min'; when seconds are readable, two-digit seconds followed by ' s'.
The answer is 1 h 37 min
